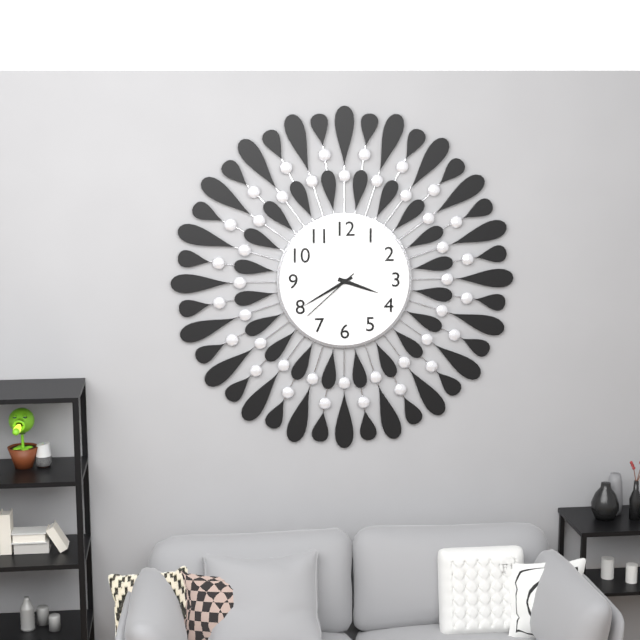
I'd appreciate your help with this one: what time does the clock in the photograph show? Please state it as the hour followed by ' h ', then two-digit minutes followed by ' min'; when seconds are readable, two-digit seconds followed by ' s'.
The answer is 3 h 40 min 38 s
